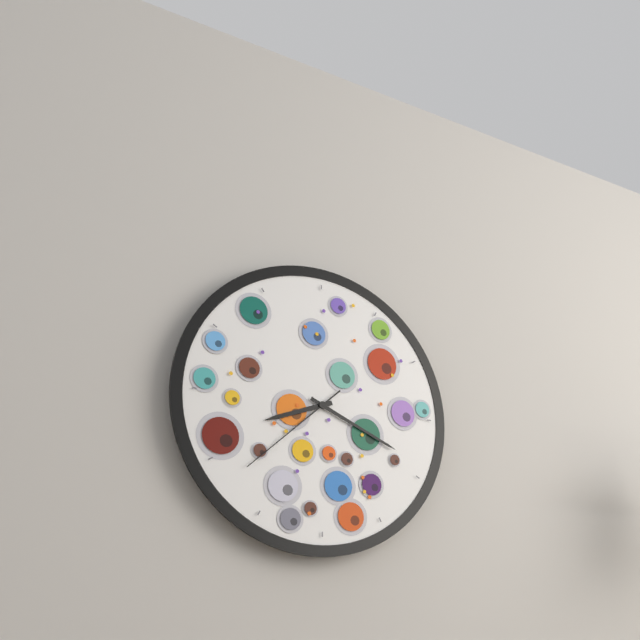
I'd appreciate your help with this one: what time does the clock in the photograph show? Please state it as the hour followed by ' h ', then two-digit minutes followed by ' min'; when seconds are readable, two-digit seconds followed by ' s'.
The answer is 8 h 19 min 38 s
